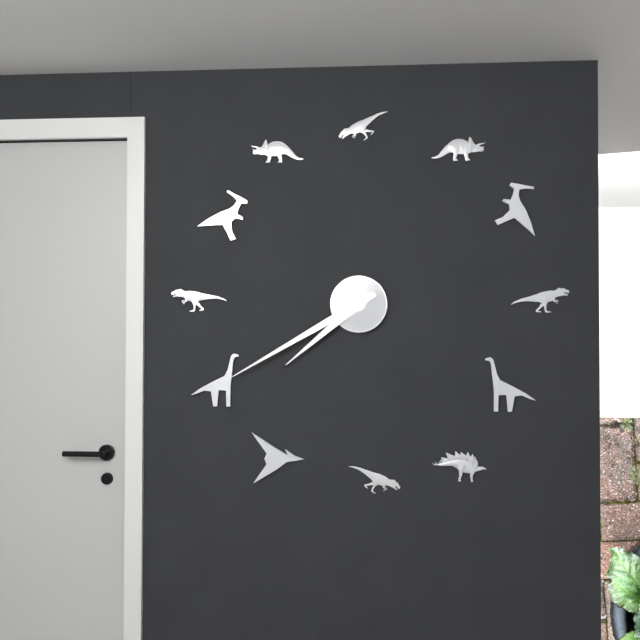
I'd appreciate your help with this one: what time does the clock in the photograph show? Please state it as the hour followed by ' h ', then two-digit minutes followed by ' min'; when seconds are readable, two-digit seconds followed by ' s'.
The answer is 7 h 40 min
